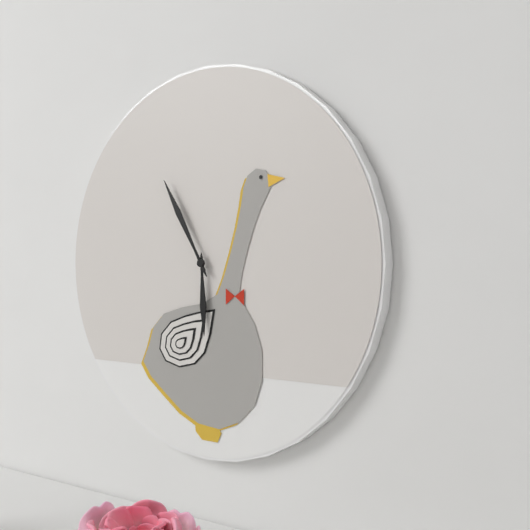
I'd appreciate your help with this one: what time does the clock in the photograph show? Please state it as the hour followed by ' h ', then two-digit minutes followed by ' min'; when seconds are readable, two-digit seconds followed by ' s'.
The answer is 5 h 55 min
